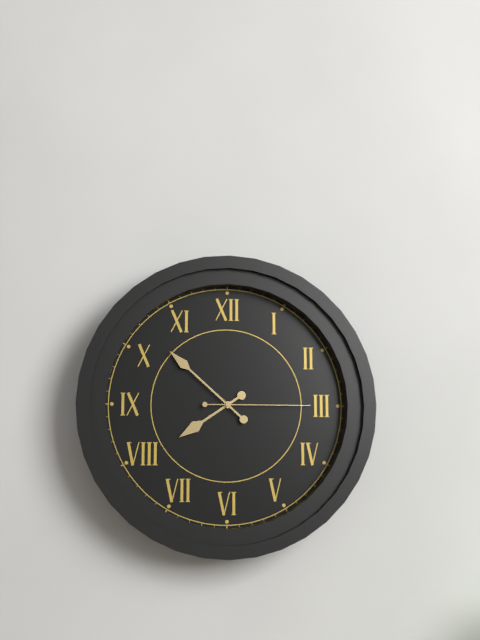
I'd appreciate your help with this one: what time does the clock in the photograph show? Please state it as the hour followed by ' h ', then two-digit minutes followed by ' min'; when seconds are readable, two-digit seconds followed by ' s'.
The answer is 7 h 52 min 15 s
